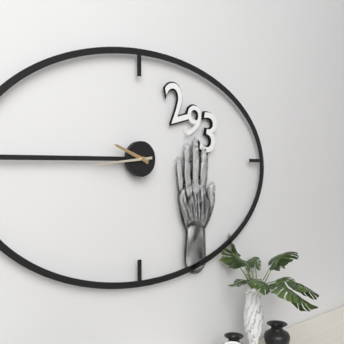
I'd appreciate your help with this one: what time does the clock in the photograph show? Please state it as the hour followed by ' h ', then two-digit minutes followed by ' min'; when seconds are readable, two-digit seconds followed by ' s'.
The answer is 9 h 44 min
